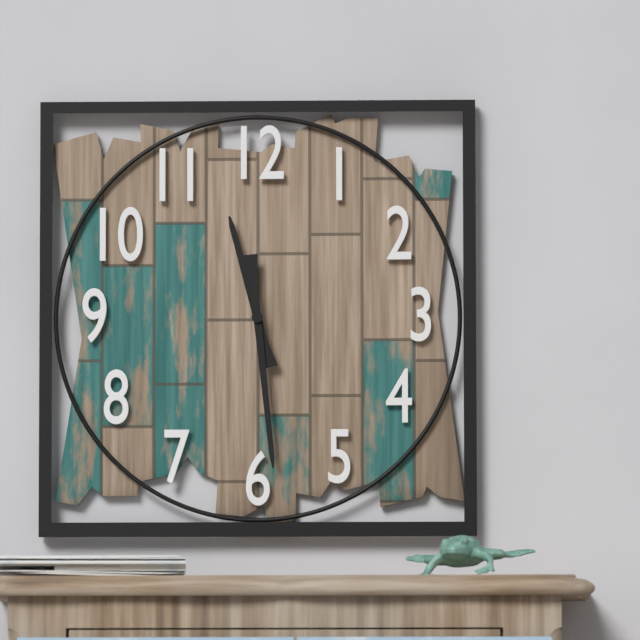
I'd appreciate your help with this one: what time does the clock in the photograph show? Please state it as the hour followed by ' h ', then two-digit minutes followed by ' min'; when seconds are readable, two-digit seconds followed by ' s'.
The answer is 11 h 29 min
